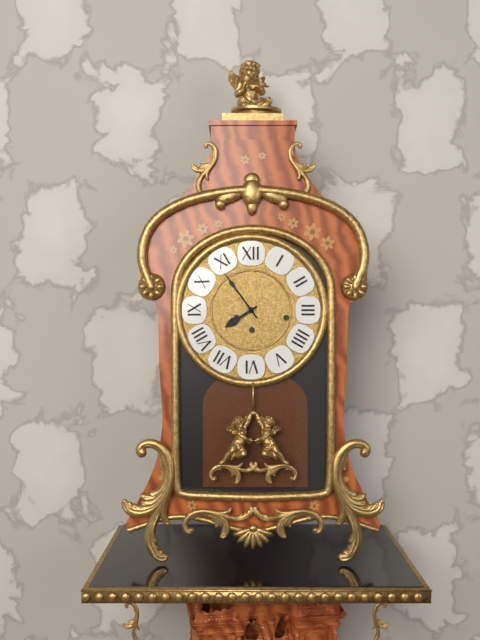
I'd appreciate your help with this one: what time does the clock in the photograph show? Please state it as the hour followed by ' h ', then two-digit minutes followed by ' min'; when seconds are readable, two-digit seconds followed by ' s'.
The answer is 7 h 54 min
